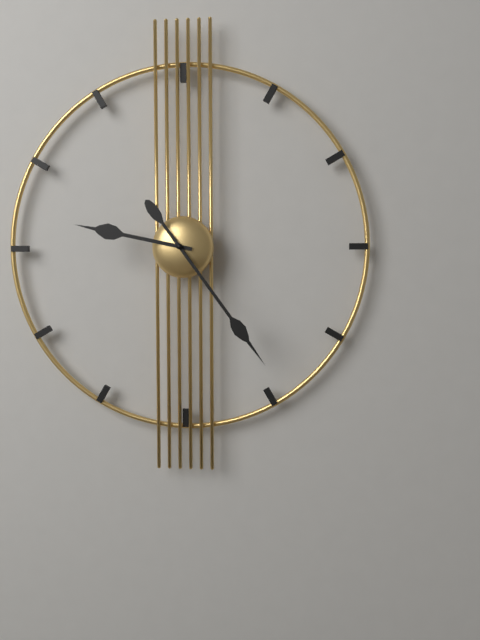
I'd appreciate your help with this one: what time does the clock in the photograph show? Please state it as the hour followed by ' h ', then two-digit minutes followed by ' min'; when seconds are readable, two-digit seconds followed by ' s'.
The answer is 9 h 24 min
